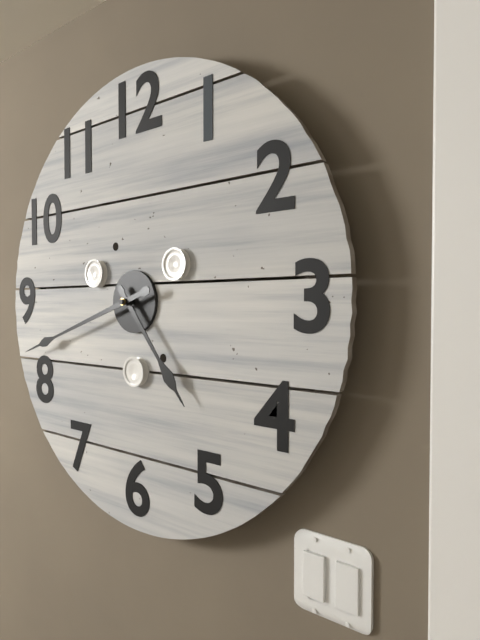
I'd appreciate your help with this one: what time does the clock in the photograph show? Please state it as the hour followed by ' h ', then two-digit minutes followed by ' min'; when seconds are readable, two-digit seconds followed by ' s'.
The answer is 4 h 42 min
